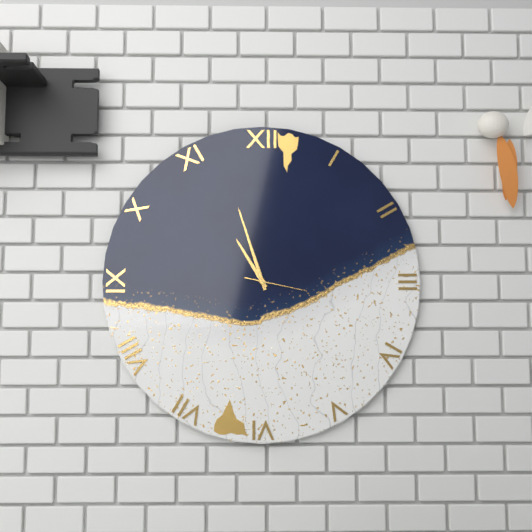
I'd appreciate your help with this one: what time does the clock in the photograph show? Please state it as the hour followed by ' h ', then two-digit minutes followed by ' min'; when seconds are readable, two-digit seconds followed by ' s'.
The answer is 10 h 57 min 17 s
